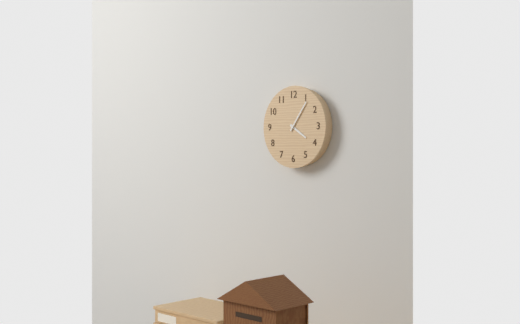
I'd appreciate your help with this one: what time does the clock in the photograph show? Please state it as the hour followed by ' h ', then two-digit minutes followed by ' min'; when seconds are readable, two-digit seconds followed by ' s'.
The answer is 4 h 06 min
